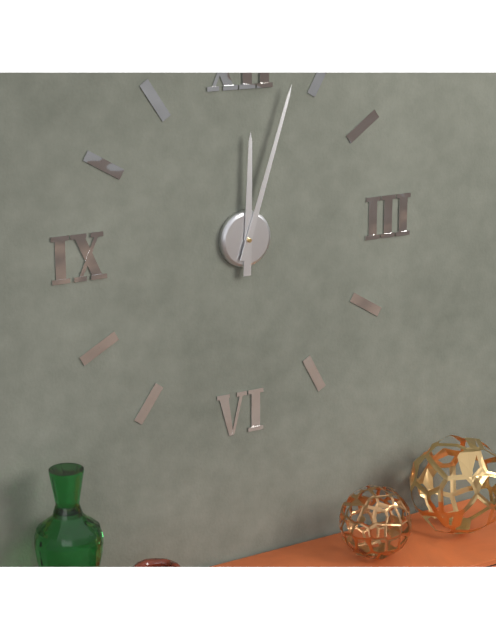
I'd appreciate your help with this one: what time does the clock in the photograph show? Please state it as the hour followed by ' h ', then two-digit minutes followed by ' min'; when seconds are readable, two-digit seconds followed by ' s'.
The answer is 12 h 03 min
